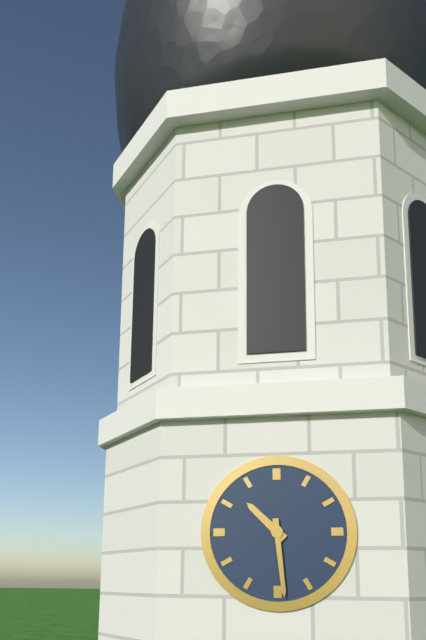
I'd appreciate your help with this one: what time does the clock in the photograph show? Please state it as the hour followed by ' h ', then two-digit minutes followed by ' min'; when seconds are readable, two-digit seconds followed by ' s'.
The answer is 10 h 29 min
